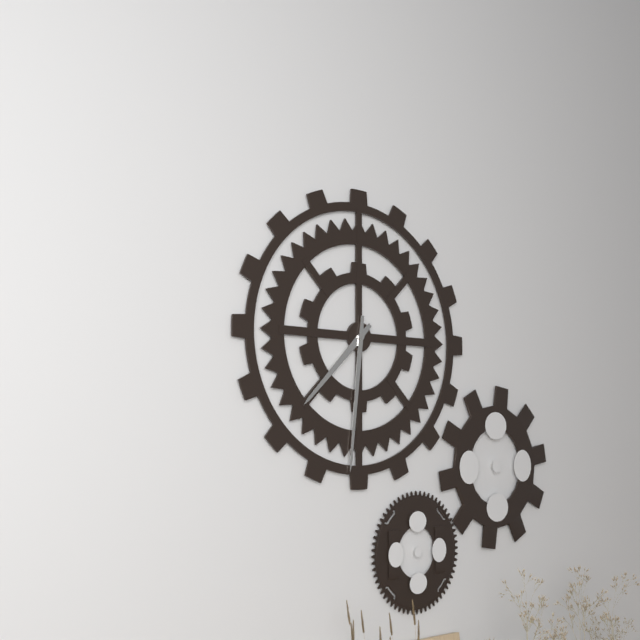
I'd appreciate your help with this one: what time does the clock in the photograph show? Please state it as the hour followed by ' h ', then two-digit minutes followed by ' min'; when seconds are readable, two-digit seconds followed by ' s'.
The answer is 7 h 31 min
